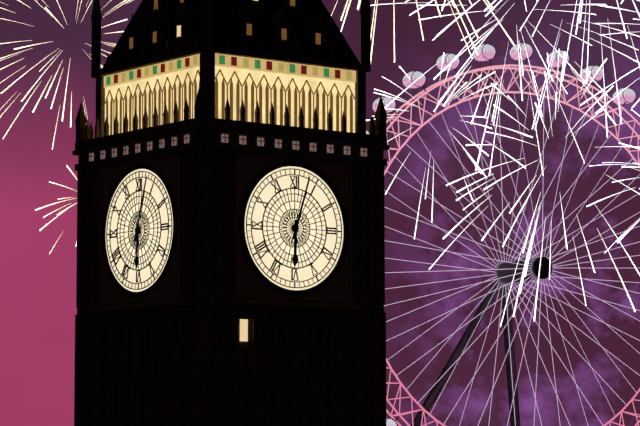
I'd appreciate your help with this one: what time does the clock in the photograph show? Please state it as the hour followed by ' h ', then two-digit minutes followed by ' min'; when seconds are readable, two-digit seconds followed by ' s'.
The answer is 6 h 03 min
